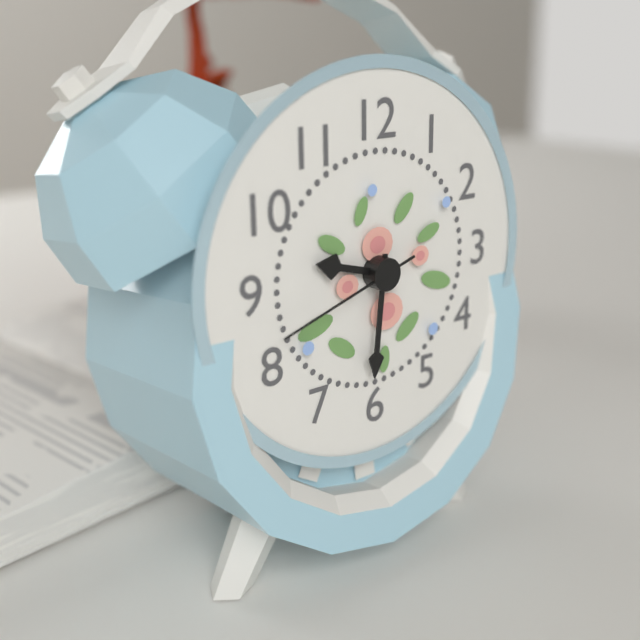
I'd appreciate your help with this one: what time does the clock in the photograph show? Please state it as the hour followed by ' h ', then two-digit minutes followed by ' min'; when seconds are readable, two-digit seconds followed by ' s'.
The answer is 9 h 31 min 42 s
